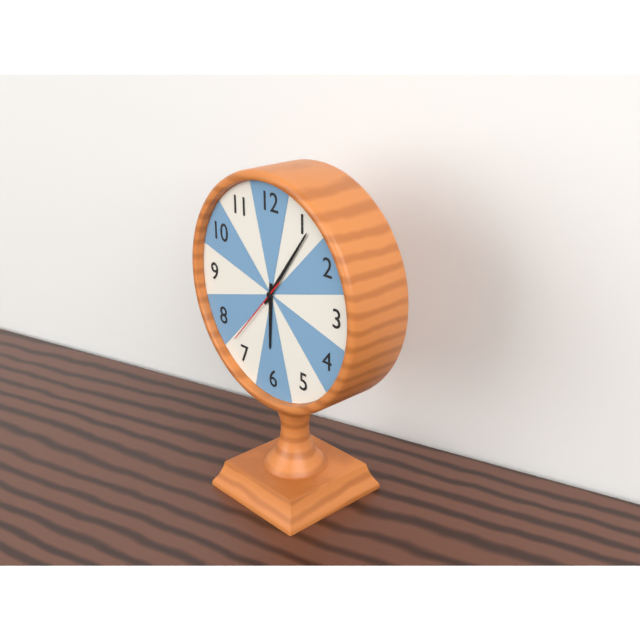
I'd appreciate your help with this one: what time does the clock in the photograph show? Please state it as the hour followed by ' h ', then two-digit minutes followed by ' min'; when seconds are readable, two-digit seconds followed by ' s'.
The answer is 6 h 06 min 37 s
